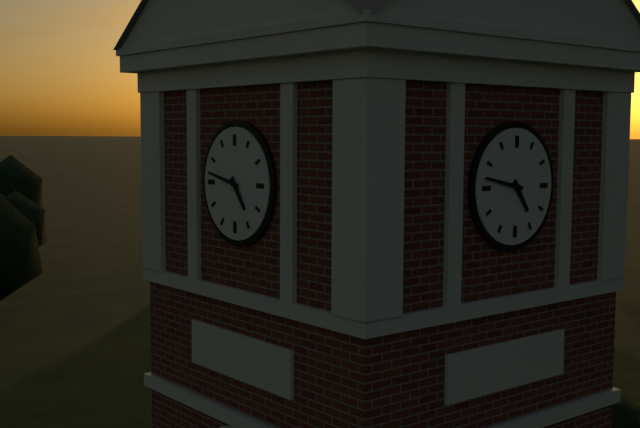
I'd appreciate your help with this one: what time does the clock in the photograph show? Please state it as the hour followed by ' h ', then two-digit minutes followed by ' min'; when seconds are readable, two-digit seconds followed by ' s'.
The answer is 4 h 47 min
